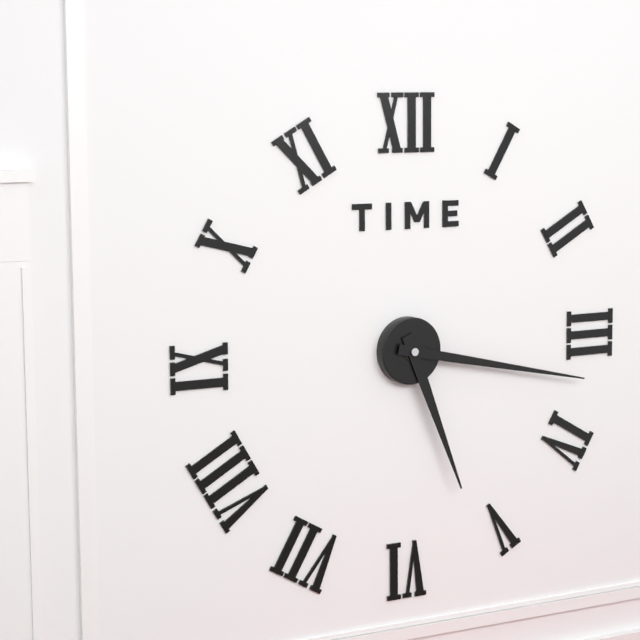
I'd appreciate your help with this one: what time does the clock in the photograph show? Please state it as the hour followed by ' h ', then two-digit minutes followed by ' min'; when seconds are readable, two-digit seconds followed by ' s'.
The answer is 5 h 17 min
